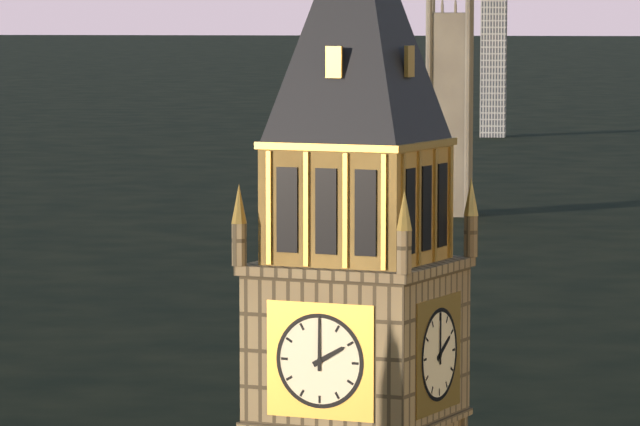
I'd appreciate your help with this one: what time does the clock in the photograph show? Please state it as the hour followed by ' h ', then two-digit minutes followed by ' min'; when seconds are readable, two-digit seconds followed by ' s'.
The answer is 2 h 00 min
